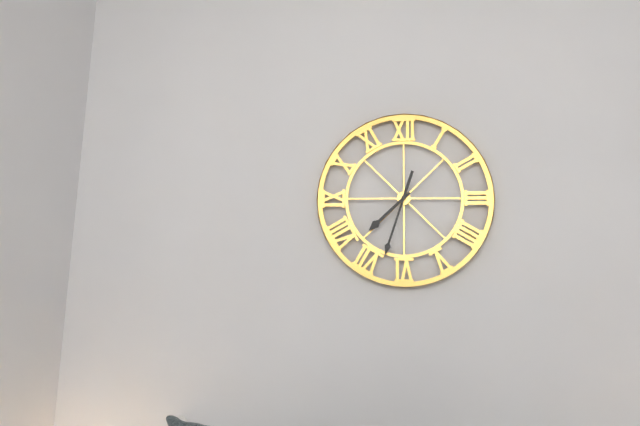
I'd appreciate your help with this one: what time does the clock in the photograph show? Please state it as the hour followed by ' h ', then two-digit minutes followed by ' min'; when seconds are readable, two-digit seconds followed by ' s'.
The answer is 7 h 33 min
